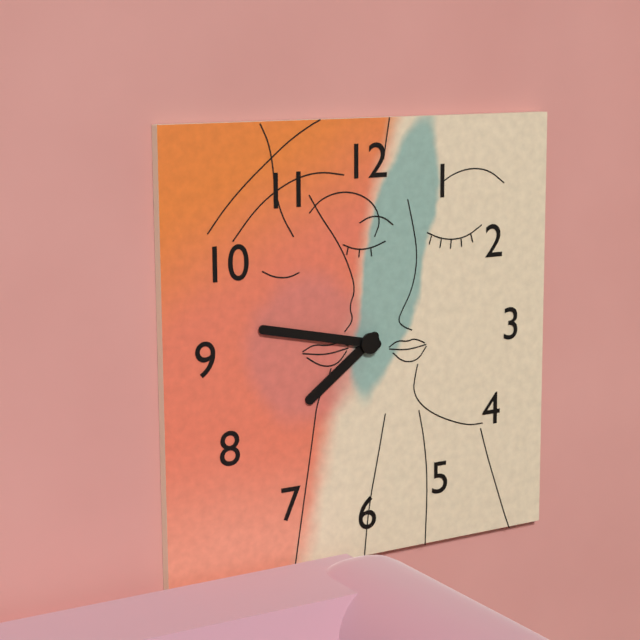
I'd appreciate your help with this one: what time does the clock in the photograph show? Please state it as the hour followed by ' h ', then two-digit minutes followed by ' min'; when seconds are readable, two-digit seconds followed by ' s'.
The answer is 7 h 47 min
